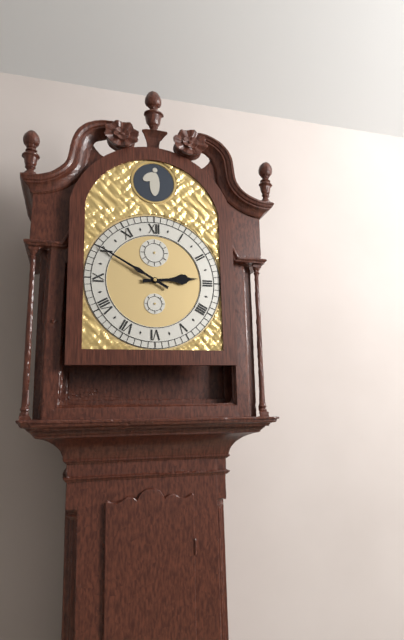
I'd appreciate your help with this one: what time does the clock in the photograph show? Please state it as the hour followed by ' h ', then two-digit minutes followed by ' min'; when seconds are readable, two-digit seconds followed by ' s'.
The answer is 2 h 50 min
